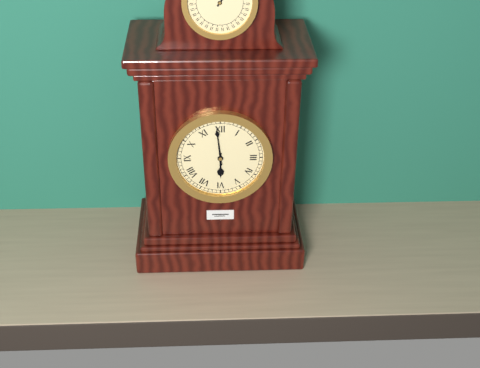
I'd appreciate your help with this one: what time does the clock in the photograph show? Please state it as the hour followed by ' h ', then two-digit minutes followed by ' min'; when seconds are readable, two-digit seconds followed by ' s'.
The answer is 5 h 59 min
